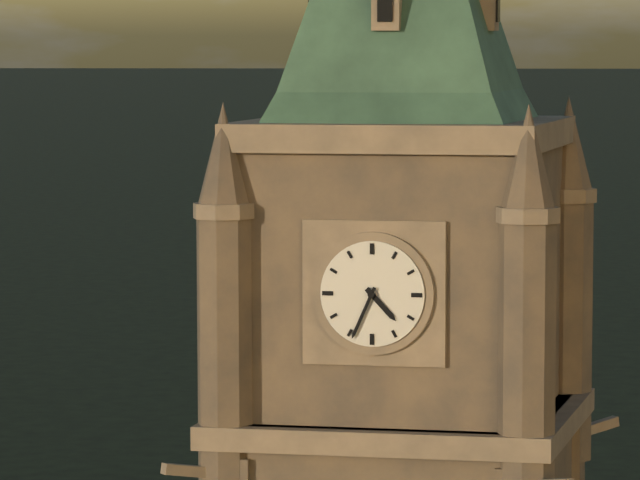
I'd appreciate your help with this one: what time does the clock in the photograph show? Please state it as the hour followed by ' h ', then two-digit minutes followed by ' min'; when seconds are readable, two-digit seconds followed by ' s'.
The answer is 4 h 34 min
